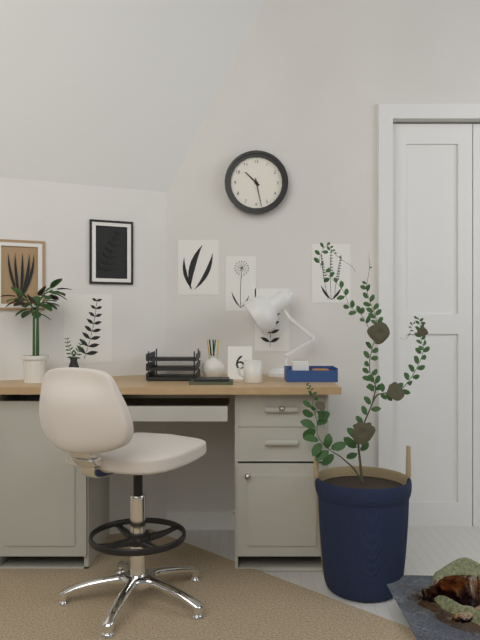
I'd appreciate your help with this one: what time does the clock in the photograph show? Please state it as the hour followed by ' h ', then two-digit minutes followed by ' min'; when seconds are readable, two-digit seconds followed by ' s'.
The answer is 10 h 28 min
